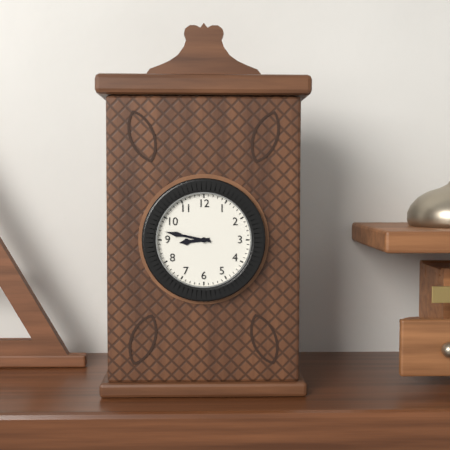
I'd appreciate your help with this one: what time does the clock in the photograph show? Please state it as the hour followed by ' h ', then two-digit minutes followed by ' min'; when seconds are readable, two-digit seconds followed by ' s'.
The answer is 8 h 47 min
